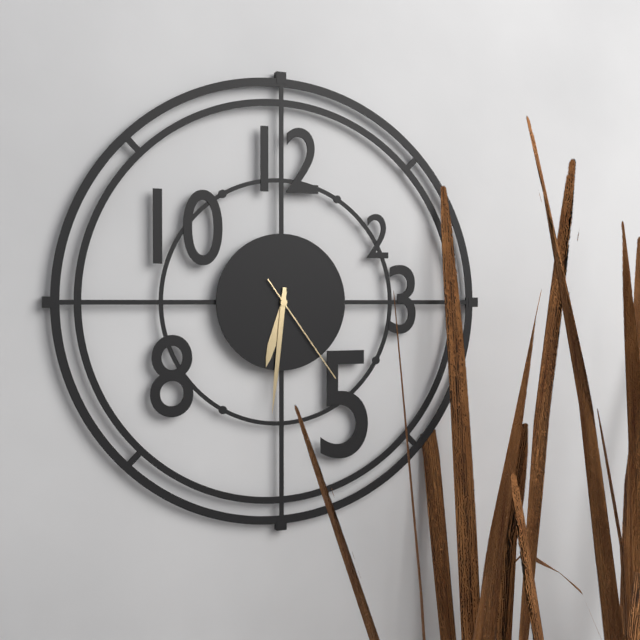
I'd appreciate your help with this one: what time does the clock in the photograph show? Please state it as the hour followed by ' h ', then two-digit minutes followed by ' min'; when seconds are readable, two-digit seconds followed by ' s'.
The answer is 6 h 31 min 24 s
